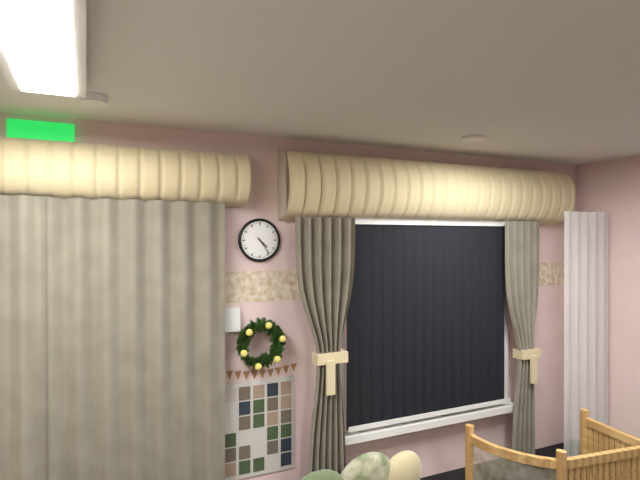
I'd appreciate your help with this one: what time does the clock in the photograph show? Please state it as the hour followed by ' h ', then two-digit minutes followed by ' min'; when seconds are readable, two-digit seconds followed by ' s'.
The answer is 4 h 24 min
